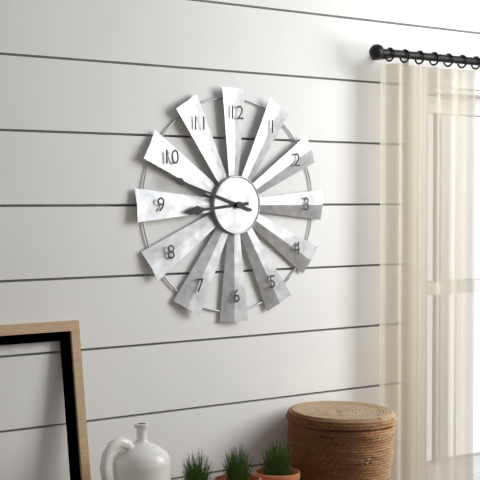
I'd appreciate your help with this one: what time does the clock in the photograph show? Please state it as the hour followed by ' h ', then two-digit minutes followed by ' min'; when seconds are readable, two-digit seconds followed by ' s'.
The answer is 8 h 48 min
